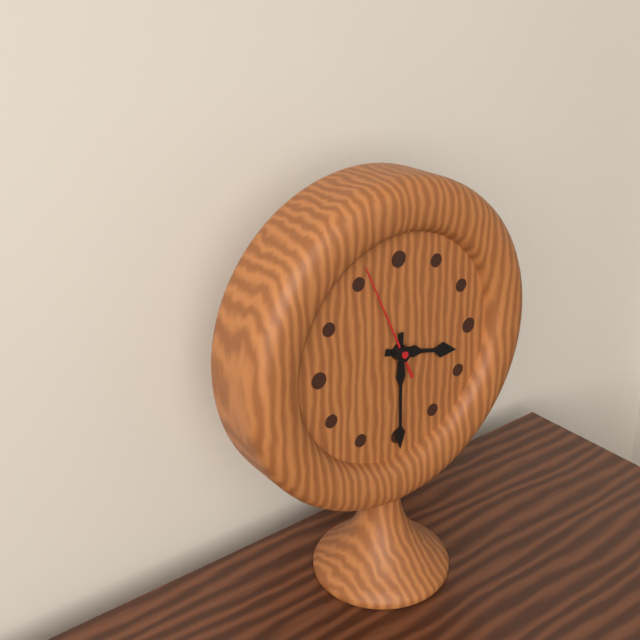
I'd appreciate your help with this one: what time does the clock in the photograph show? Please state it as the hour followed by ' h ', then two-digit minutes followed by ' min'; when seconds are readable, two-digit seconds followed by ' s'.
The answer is 3 h 30 min 56 s
